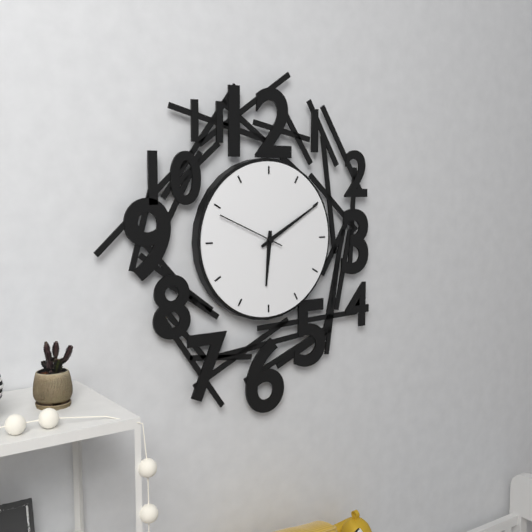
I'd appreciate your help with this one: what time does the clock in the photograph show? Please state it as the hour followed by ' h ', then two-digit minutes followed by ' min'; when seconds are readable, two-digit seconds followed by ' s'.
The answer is 6 h 10 min 49 s
